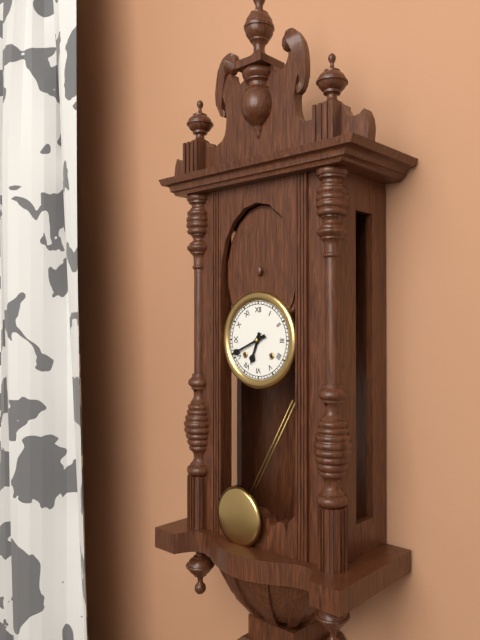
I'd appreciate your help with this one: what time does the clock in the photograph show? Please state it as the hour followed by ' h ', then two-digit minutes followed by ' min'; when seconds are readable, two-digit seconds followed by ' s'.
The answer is 6 h 41 min
